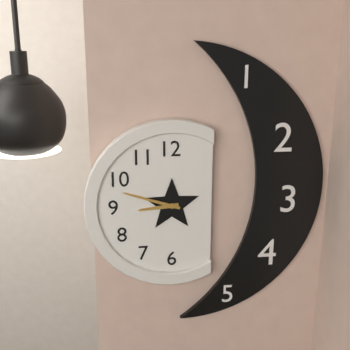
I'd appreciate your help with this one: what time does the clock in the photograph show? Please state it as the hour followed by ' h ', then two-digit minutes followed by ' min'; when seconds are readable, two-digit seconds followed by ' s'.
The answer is 8 h 48 min
